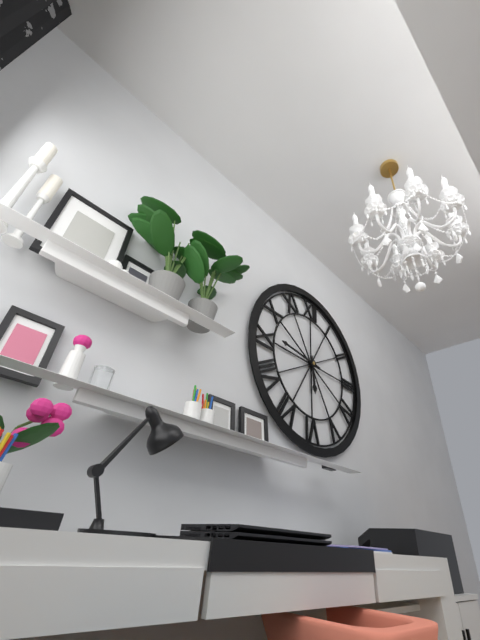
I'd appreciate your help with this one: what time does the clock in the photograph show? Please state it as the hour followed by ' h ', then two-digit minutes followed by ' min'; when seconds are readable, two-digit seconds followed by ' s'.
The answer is 5 h 46 min
